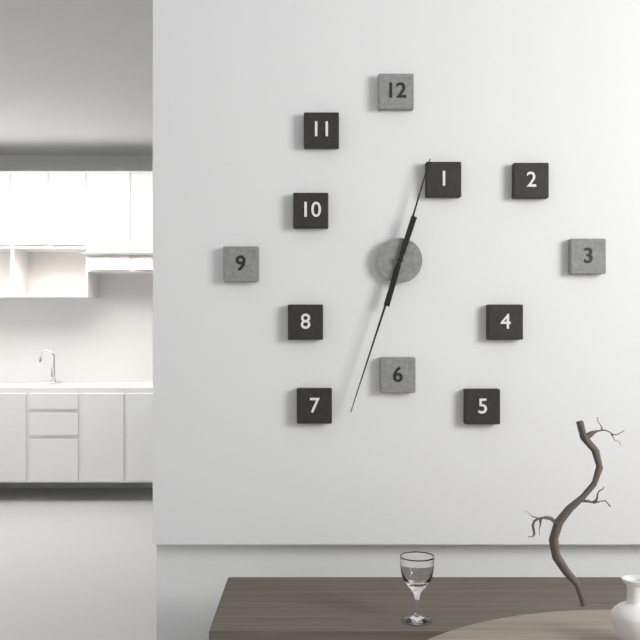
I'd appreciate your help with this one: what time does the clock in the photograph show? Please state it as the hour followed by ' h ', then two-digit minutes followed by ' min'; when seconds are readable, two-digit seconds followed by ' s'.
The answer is 12 h 33 min
